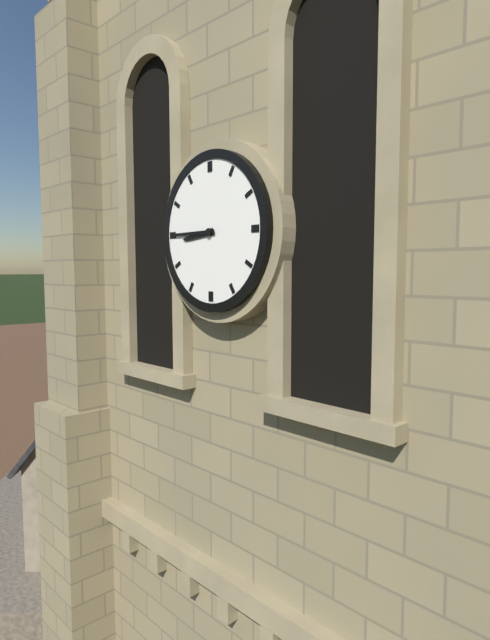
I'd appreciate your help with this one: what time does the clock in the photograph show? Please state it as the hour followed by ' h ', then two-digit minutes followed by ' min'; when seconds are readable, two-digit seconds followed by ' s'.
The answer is 8 h 45 min
